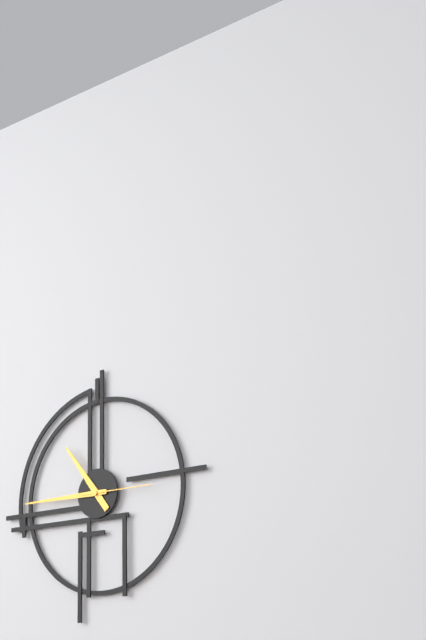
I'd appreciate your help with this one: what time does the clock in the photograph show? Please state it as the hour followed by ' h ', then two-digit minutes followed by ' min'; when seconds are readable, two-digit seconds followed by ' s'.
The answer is 10 h 45 min 15 s
